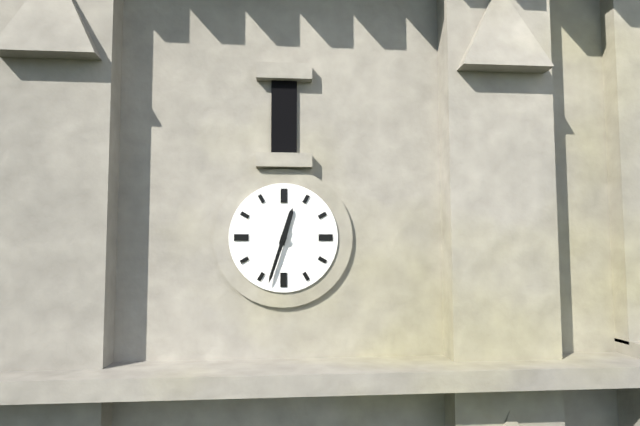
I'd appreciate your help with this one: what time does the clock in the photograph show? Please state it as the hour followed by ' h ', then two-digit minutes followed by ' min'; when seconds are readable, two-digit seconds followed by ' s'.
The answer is 12 h 33 min
